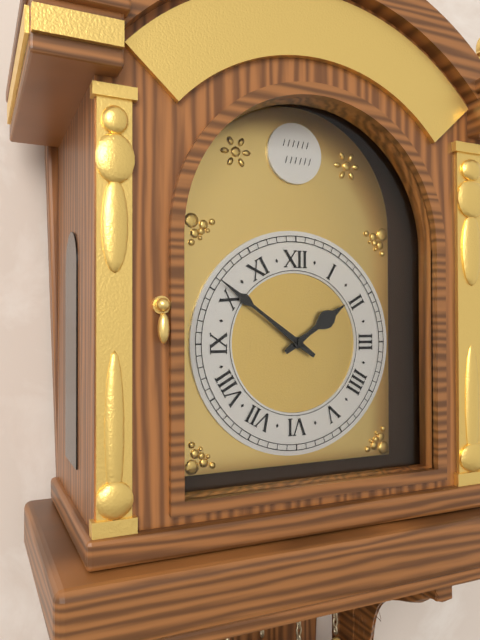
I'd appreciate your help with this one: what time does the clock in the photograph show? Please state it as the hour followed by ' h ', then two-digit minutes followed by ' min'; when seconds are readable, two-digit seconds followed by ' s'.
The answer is 1 h 51 min
